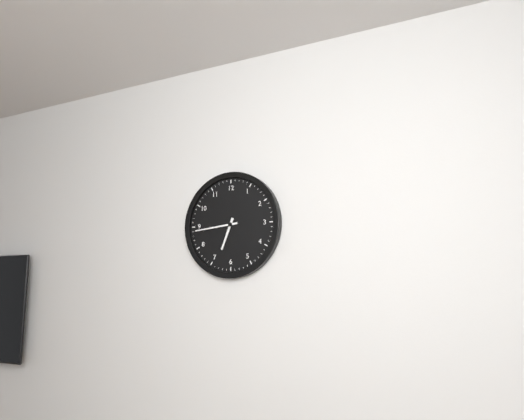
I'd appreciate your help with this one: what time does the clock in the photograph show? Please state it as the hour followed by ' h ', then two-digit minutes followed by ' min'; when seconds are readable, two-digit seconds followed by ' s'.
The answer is 6 h 44 min
